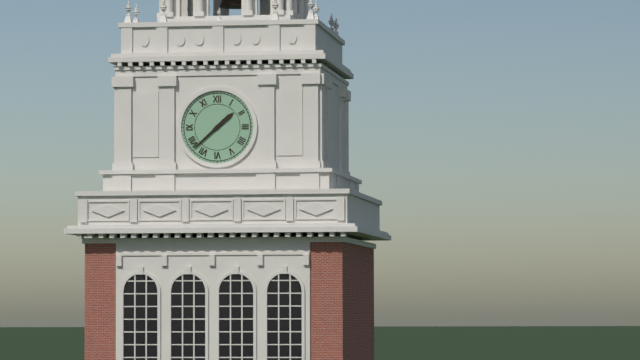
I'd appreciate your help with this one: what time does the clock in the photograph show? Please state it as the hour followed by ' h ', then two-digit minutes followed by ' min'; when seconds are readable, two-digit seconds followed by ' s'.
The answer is 1 h 38 min
